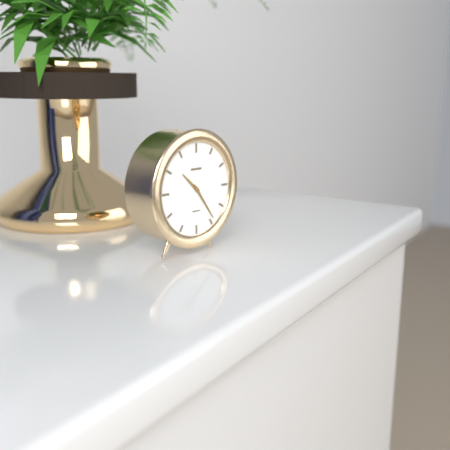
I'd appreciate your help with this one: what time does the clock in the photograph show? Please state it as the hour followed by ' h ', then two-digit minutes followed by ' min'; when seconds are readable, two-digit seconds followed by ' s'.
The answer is 10 h 24 min
